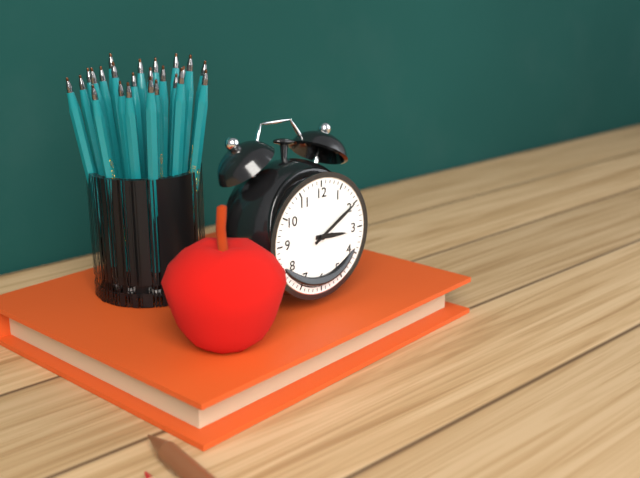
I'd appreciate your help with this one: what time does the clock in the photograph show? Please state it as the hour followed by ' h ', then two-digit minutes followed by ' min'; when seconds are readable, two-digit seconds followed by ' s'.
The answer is 3 h 10 min
